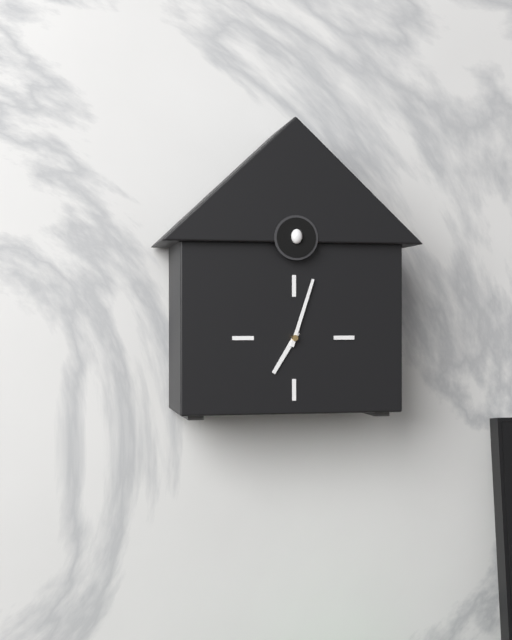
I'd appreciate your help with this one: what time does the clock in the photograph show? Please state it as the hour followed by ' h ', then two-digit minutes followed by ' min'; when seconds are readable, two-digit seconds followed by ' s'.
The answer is 7 h 03 min
